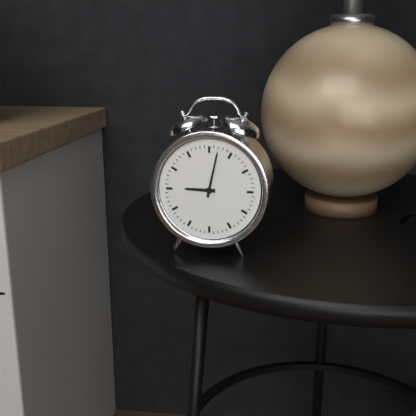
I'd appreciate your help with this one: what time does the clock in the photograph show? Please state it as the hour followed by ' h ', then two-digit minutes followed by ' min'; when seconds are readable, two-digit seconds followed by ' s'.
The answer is 9 h 02 min
